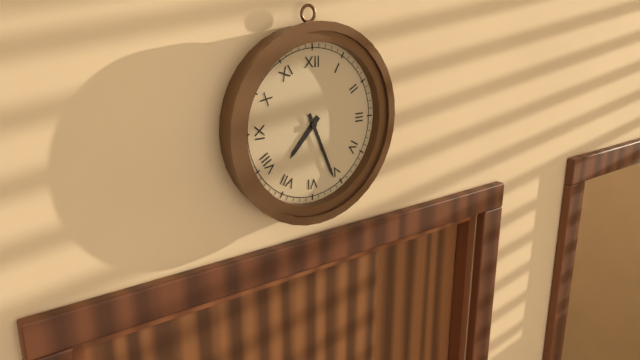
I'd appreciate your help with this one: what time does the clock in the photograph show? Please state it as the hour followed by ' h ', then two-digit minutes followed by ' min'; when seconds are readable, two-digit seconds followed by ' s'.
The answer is 7 h 26 min
